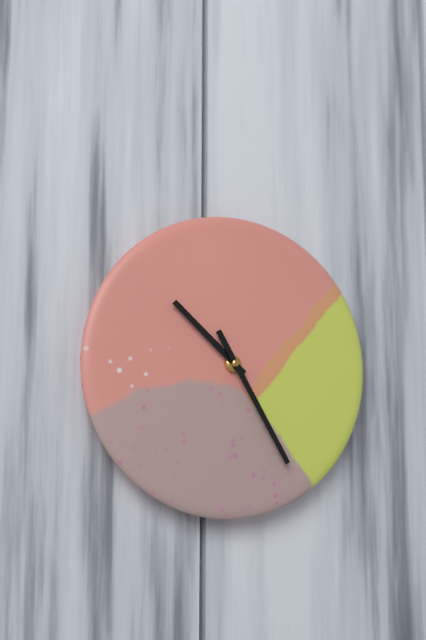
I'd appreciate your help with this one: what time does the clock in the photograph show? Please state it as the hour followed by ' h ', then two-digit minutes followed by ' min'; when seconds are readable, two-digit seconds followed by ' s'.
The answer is 10 h 25 min
